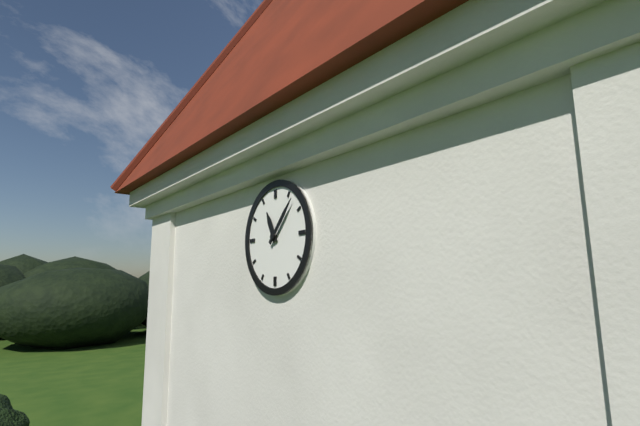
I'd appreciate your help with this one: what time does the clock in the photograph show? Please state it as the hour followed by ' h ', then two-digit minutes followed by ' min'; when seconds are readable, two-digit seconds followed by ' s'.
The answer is 11 h 07 min
